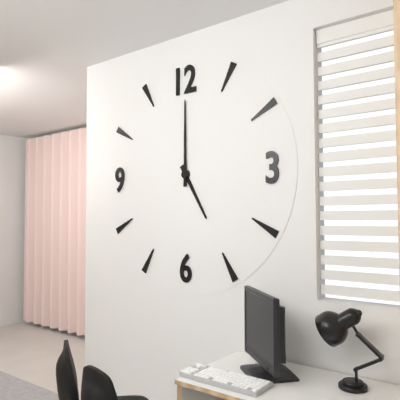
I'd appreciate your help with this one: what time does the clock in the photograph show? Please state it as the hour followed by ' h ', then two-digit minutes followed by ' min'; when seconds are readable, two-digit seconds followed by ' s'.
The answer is 5 h 00 min
